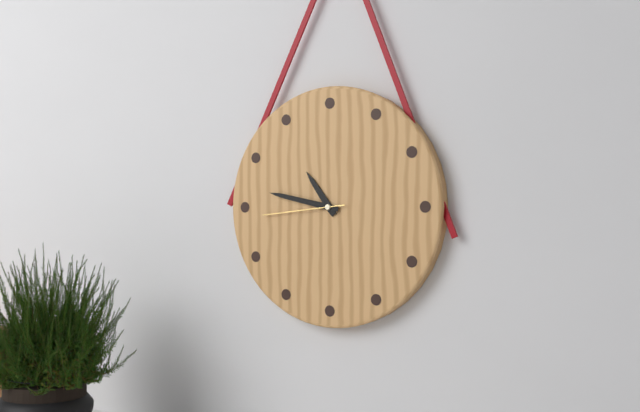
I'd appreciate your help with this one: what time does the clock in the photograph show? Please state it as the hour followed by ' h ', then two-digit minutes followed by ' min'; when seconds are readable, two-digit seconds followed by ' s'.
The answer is 10 h 47 min 44 s
